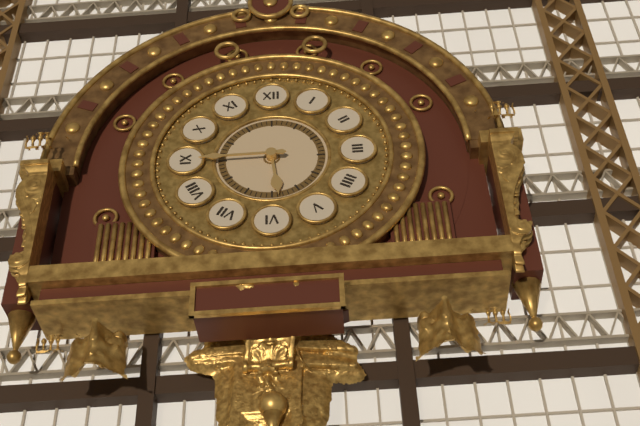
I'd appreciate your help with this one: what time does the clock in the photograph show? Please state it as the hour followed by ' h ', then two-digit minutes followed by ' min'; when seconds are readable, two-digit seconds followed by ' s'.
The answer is 5 h 45 min
